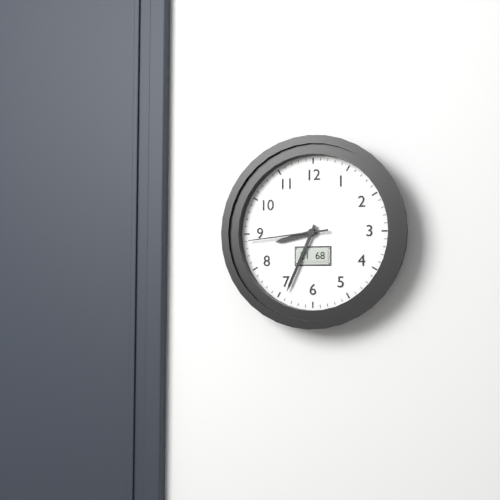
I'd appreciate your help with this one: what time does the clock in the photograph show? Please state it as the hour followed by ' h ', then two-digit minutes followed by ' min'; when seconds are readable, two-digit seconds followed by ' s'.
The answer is 8 h 34 min 44 s
